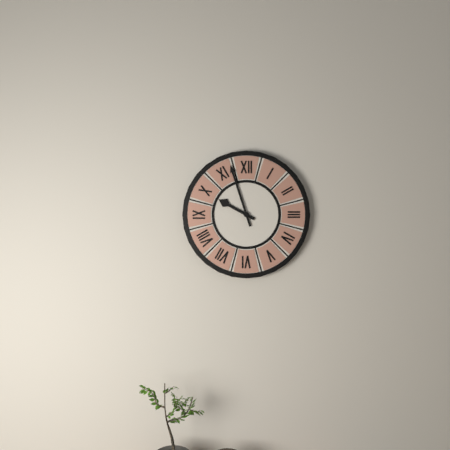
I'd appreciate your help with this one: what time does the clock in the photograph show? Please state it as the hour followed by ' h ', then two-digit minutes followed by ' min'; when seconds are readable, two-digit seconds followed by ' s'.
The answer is 9 h 57 min
